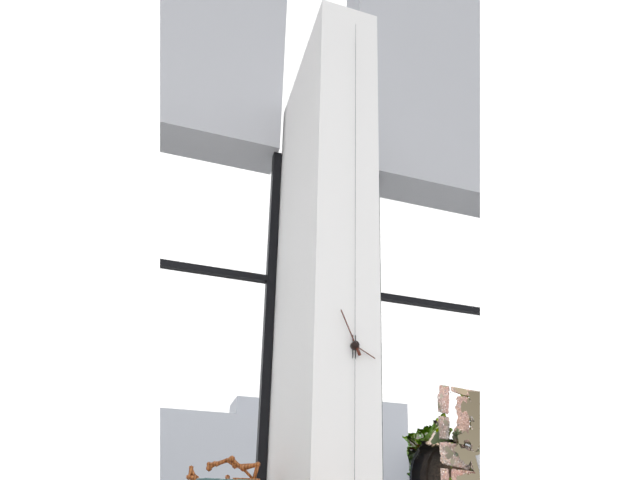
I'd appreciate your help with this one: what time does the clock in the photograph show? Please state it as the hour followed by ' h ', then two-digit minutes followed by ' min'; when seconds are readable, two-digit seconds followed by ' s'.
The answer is 3 h 56 min
